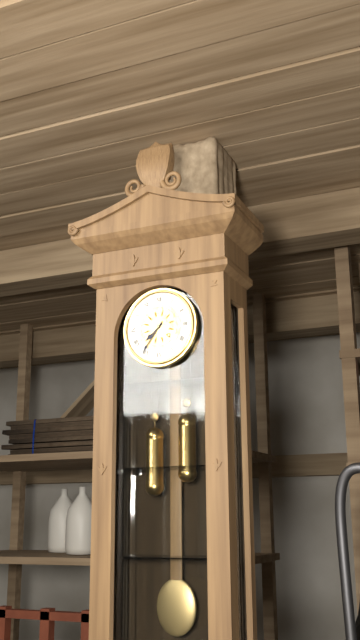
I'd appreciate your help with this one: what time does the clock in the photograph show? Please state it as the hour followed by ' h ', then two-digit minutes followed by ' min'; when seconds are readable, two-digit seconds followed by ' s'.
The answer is 7 h 36 min
